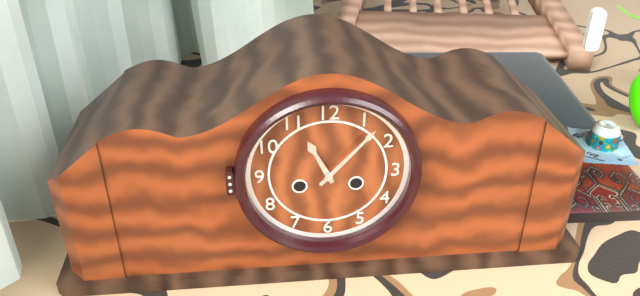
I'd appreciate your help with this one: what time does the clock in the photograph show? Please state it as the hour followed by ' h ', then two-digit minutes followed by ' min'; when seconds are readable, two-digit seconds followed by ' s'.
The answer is 11 h 07 min
